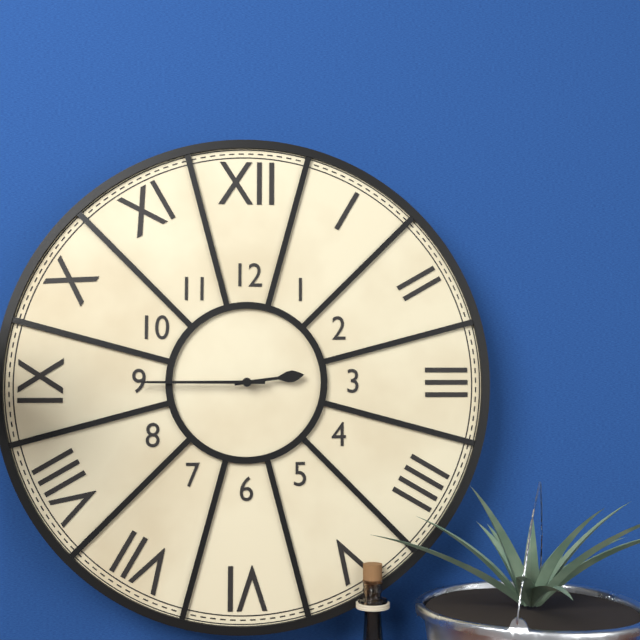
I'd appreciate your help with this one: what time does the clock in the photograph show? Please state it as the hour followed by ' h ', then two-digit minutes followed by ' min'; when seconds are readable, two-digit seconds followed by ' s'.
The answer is 2 h 45 min
